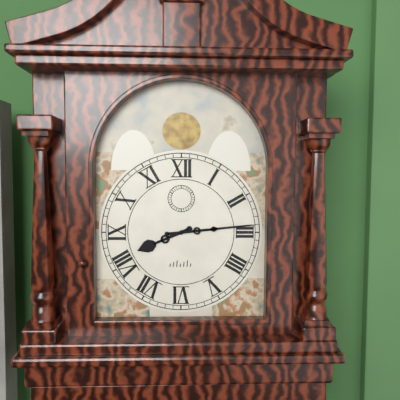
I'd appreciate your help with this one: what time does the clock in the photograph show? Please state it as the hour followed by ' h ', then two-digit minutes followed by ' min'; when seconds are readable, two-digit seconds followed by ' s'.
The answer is 8 h 14 min
